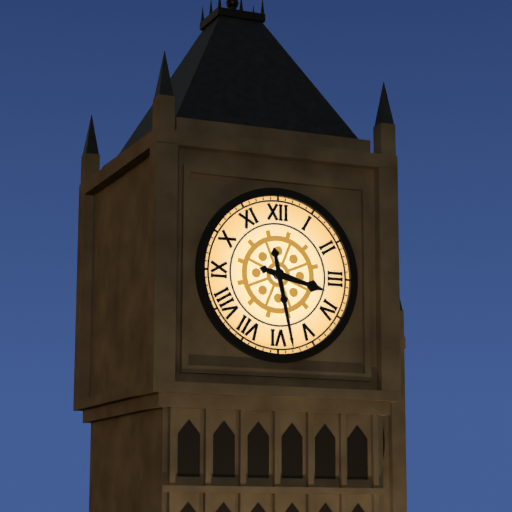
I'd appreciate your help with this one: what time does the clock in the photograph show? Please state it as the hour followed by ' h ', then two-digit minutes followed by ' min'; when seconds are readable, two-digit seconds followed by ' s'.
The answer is 3 h 28 min
